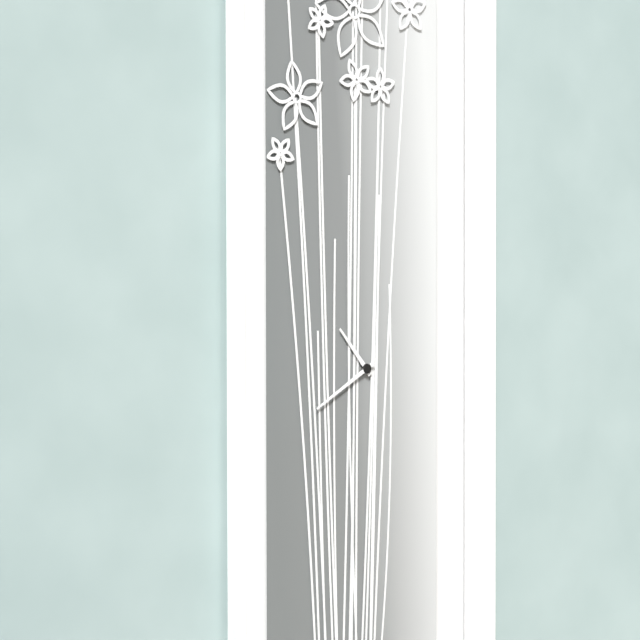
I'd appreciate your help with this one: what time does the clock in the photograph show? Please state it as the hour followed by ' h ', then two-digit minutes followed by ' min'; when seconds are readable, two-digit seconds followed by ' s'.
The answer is 10 h 40 min
